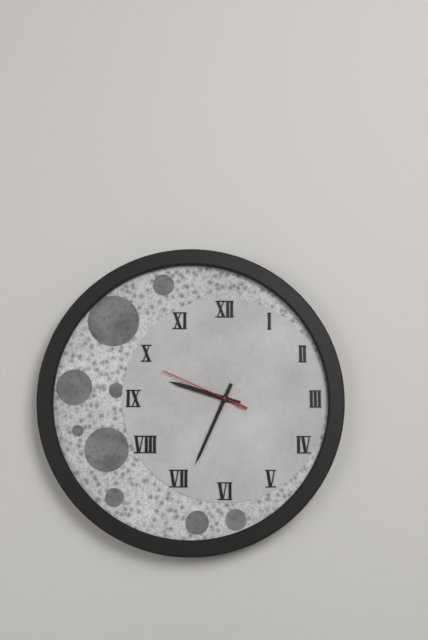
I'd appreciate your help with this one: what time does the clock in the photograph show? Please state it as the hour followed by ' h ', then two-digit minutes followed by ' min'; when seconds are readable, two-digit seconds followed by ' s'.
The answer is 9 h 34 min 49 s
